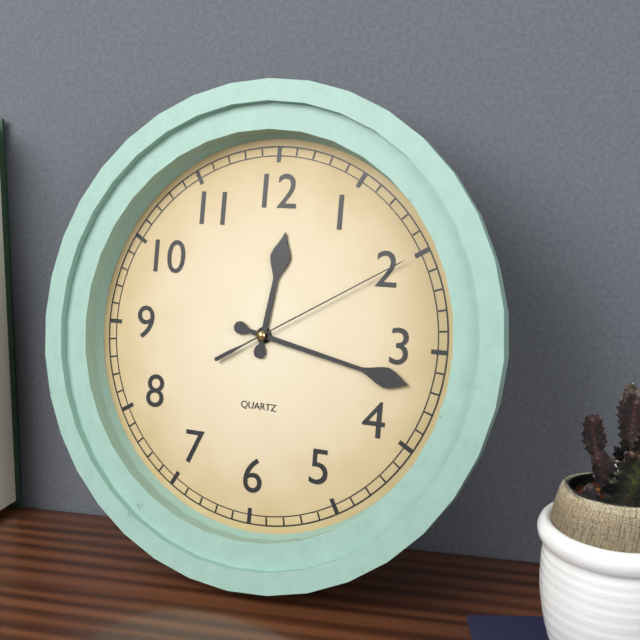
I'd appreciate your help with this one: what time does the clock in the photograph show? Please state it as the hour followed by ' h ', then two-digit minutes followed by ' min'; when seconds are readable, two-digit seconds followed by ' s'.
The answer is 12 h 17 min 10 s
